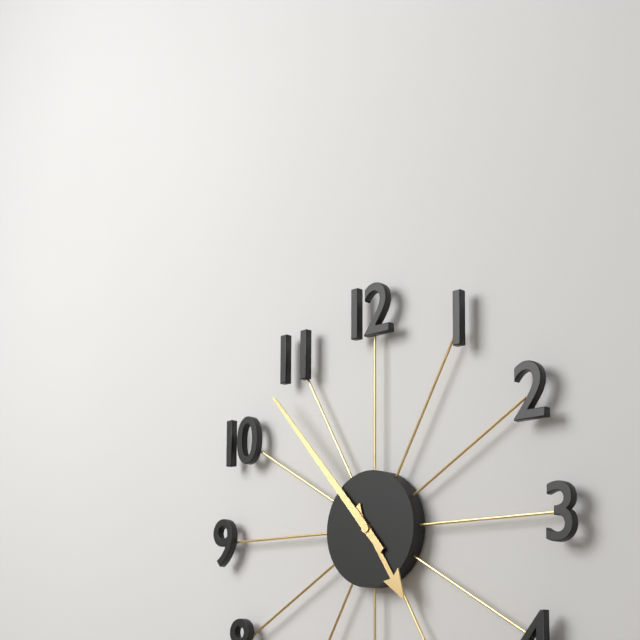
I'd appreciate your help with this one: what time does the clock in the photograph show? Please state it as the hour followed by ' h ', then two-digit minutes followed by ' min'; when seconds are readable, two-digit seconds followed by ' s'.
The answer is 4 h 53 min
